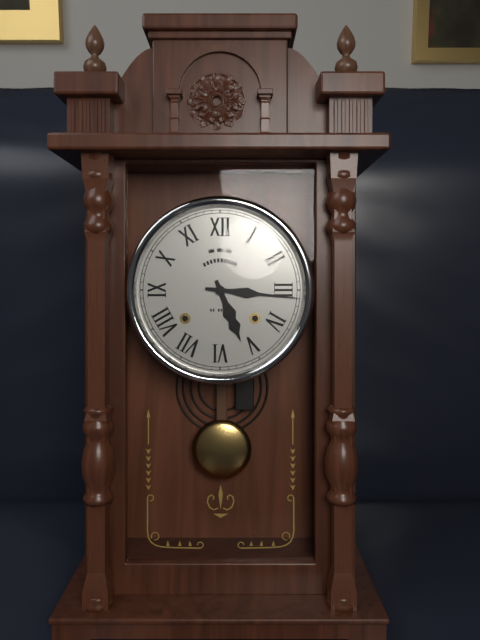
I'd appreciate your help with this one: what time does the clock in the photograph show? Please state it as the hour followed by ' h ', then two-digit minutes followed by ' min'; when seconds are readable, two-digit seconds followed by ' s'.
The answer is 5 h 16 min
